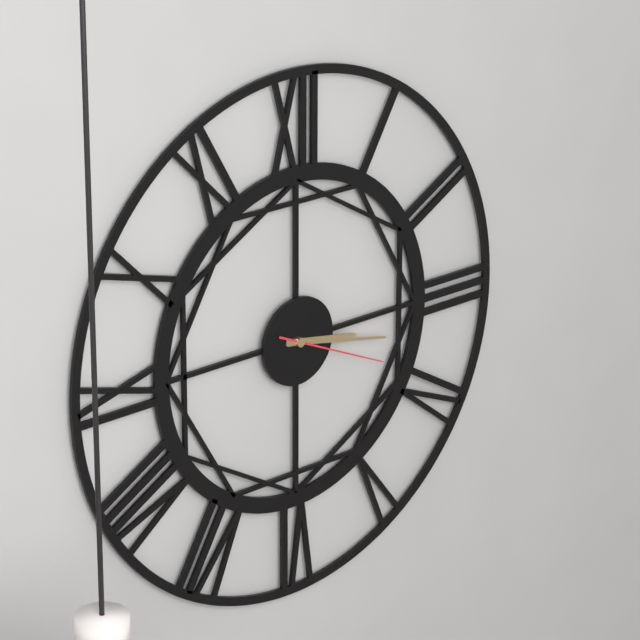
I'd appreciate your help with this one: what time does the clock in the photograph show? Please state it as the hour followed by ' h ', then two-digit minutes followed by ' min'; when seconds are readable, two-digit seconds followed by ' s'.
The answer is 3 h 17 min 19 s
